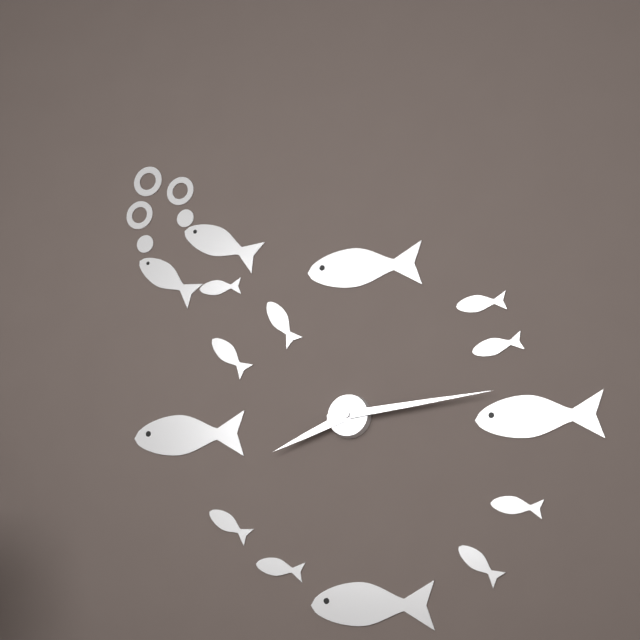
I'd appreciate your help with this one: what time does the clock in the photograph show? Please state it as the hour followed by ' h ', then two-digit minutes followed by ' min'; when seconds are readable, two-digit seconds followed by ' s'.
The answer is 8 h 14 min
